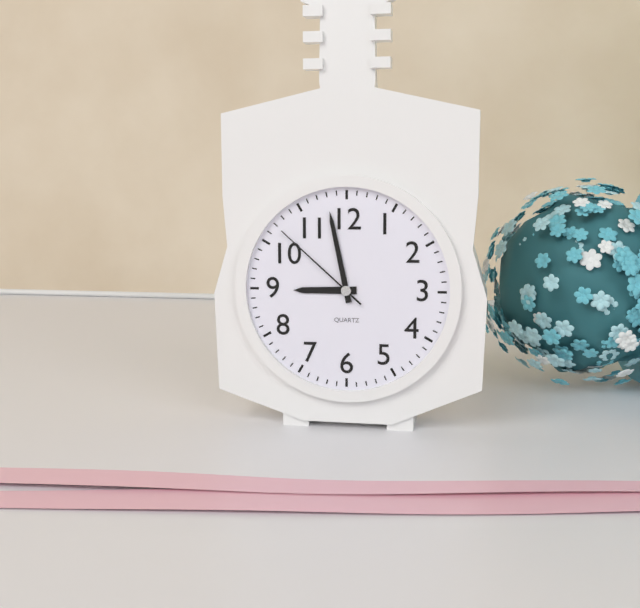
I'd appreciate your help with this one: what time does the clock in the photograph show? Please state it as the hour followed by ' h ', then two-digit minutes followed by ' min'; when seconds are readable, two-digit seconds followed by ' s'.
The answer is 8 h 58 min 52 s
